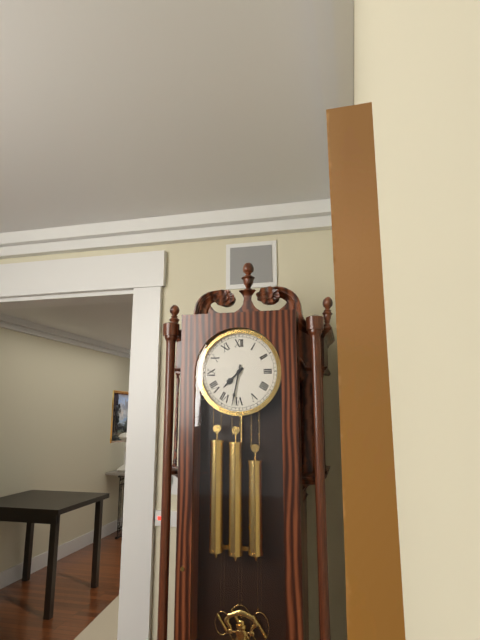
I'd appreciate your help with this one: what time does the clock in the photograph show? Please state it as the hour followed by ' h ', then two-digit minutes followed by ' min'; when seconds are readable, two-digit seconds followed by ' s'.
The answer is 7 h 32 min
